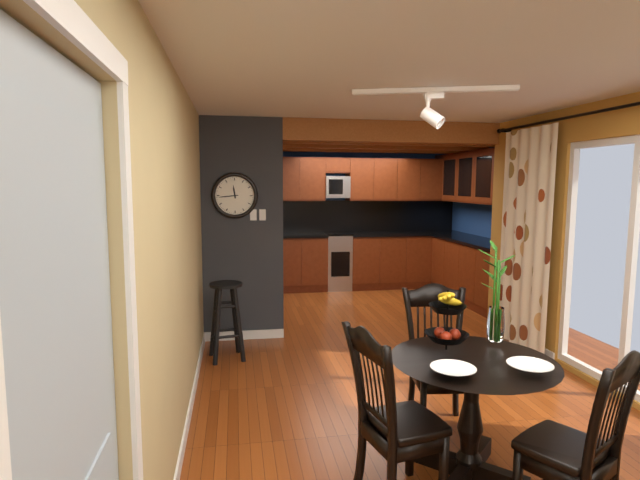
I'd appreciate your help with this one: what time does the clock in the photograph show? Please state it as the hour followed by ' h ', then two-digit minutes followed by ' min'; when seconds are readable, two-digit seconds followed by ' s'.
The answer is 11 h 44 min
